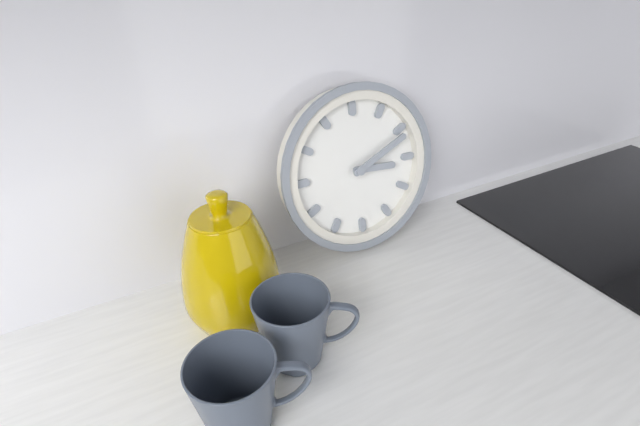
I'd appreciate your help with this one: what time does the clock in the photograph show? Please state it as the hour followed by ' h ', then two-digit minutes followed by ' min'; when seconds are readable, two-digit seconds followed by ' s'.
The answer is 3 h 11 min
